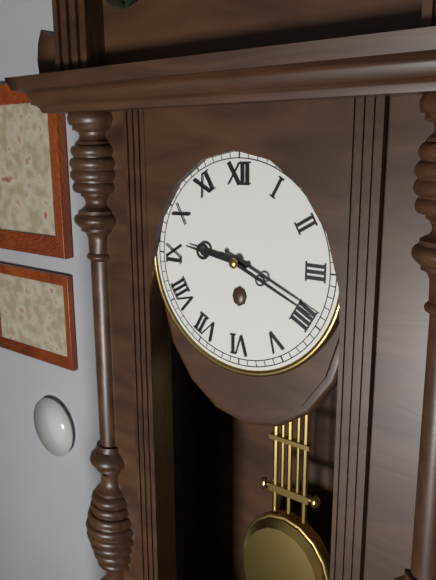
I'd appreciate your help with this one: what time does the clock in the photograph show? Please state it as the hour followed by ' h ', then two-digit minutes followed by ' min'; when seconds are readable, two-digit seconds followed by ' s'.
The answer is 9 h 19 min
